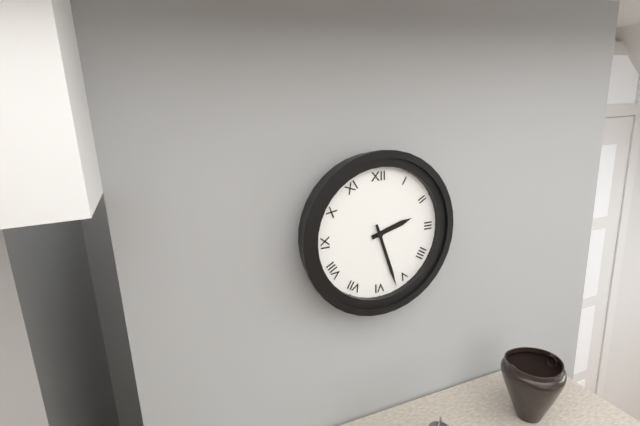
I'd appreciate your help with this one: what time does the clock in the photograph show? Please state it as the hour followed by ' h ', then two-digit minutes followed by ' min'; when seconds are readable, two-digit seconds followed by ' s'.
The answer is 2 h 27 min
